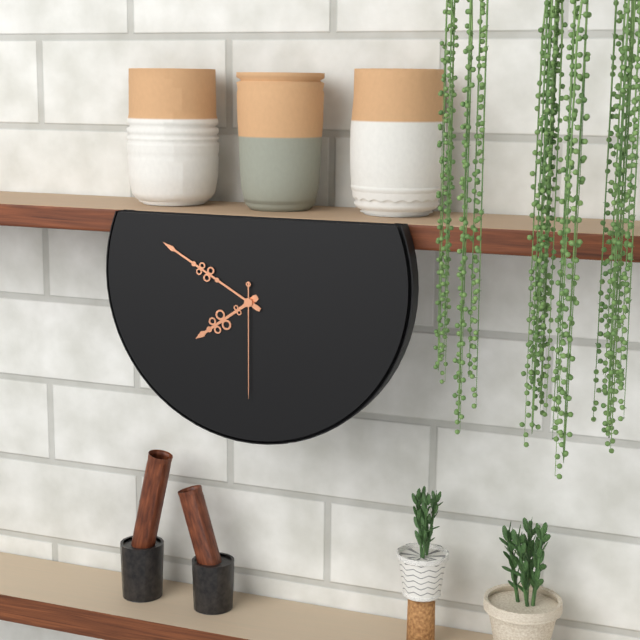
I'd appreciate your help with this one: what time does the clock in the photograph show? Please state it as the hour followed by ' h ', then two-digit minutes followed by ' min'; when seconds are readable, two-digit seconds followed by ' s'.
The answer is 7 h 50 min 30 s
